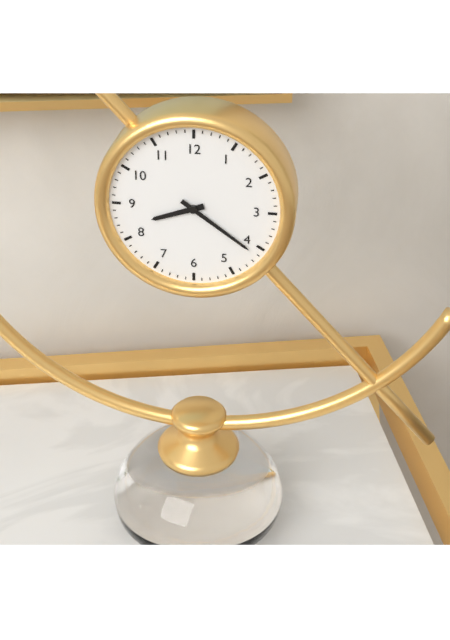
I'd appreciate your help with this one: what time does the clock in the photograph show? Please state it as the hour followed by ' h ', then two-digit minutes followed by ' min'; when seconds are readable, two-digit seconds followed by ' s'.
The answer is 8 h 21 min
